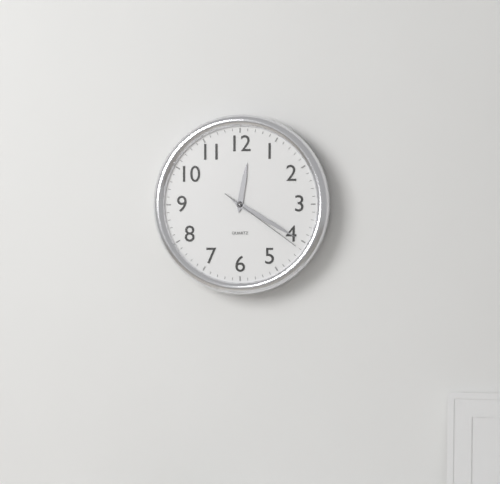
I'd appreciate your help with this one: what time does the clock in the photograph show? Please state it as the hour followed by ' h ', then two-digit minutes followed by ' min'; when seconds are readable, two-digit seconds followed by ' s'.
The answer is 12 h 20 min 21 s
